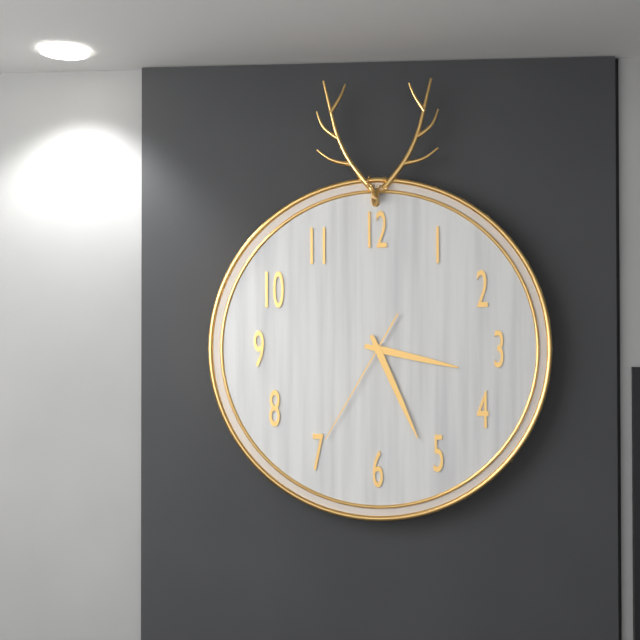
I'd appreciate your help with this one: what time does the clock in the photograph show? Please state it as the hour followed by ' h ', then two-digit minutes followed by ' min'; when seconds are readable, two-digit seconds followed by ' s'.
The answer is 3 h 26 min 35 s
